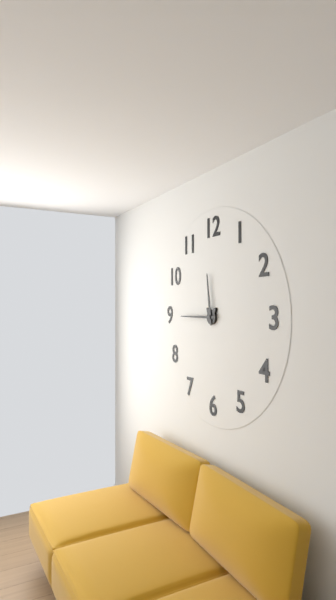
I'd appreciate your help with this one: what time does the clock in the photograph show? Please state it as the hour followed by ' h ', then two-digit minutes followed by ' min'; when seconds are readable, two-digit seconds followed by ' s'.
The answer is 11 h 45 min
